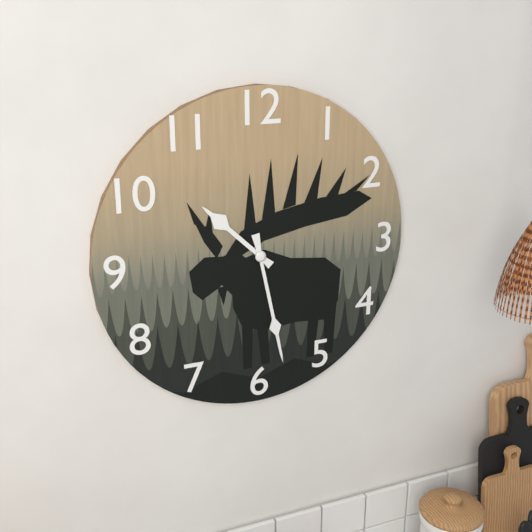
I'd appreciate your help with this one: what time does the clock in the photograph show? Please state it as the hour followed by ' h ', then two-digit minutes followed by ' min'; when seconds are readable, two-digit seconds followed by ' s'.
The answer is 10 h 28 min
